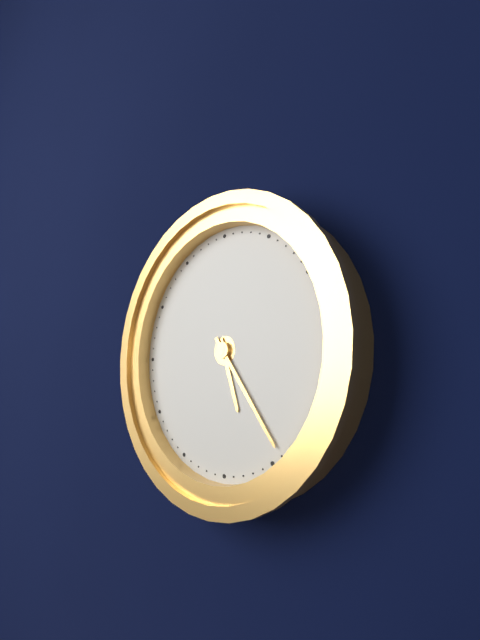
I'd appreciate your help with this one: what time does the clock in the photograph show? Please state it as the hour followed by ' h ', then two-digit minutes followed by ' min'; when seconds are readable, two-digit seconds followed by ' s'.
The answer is 5 h 24 min
